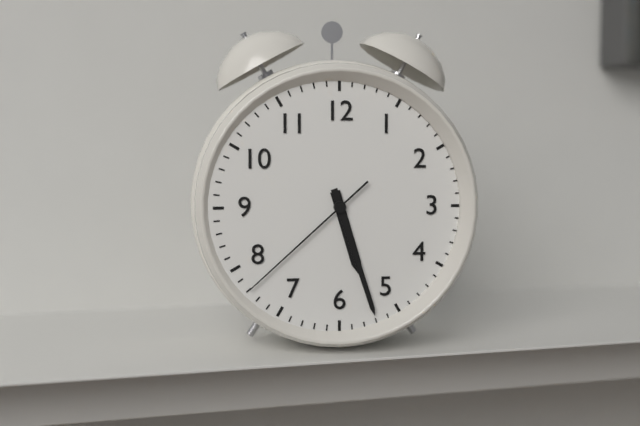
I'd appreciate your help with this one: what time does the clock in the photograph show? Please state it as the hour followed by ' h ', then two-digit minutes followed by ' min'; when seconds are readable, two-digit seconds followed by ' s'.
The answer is 5 h 27 min 38 s
